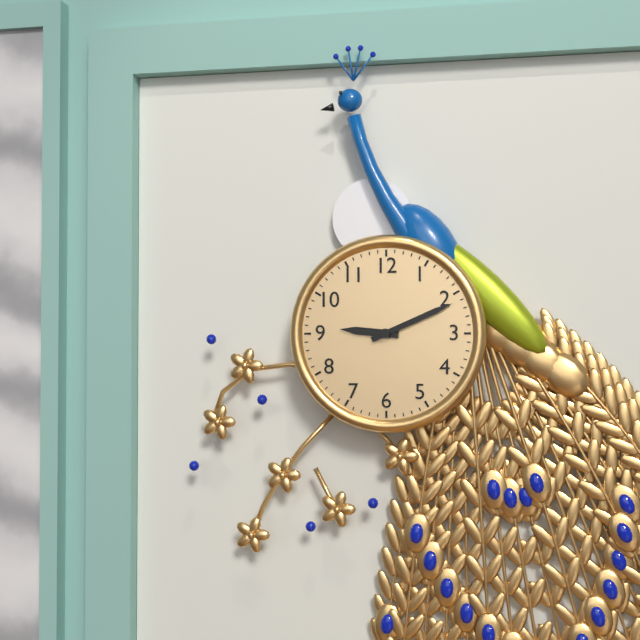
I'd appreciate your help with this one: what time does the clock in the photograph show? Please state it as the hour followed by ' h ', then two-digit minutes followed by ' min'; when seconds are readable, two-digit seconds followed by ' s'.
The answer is 9 h 11 min
